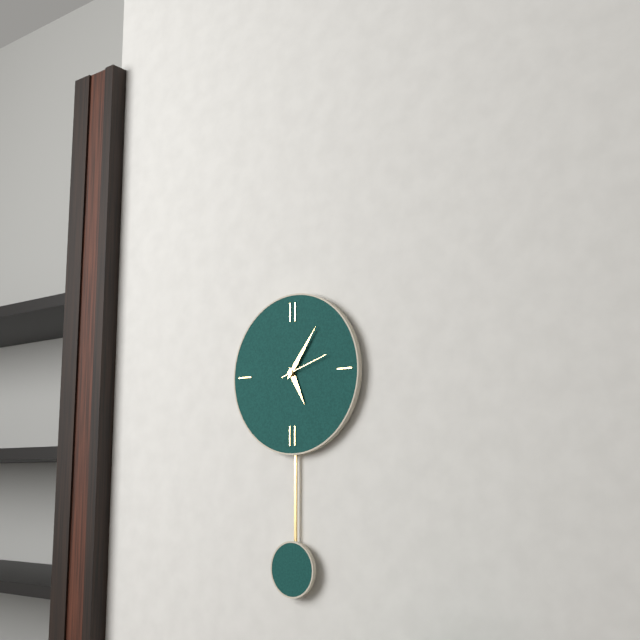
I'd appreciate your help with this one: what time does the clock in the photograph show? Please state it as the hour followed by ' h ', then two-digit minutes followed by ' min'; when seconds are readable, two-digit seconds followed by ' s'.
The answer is 5 h 06 min
